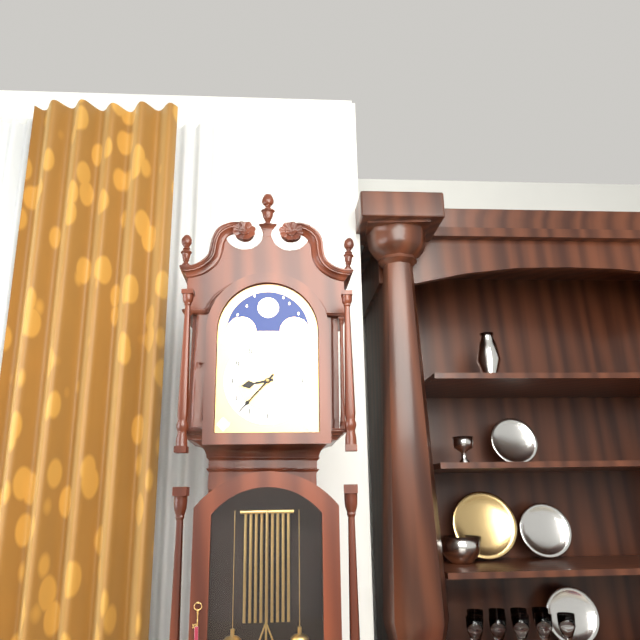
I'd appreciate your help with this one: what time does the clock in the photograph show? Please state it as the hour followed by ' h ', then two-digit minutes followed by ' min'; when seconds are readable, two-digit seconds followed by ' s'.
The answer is 8 h 37 min
